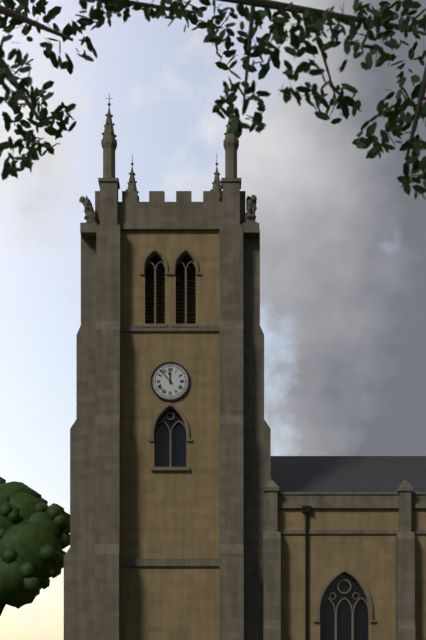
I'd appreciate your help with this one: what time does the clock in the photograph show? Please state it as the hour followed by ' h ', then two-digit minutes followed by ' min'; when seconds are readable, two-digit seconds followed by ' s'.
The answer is 11 h 53 min
